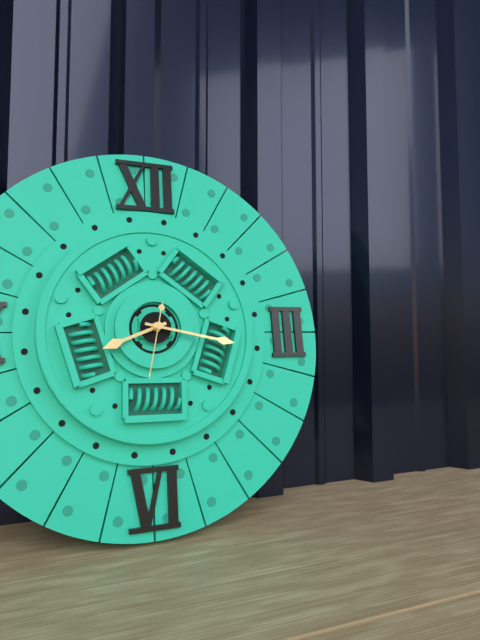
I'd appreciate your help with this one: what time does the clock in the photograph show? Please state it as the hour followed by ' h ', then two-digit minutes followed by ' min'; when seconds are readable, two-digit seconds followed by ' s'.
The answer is 8 h 17 min 32 s
